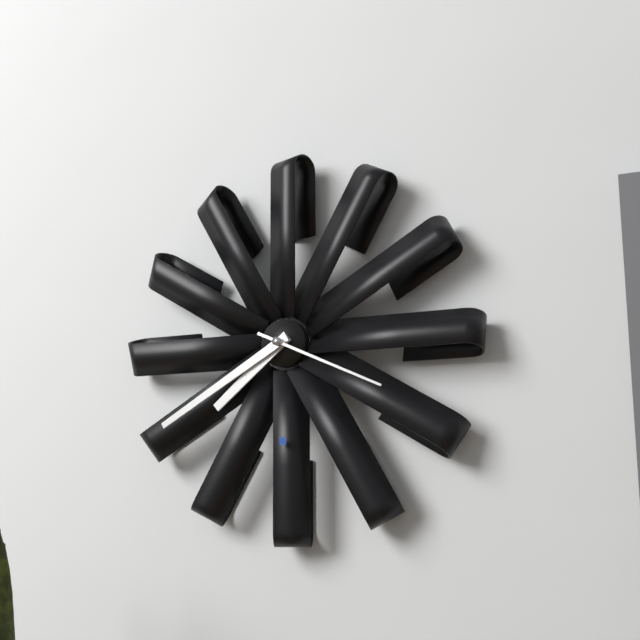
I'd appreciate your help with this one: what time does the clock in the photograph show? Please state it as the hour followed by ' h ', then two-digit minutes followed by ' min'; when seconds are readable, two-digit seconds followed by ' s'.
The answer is 7 h 40 min 19 s
